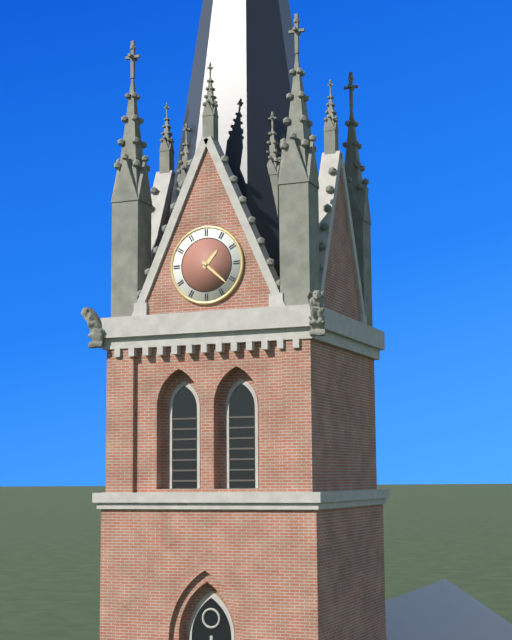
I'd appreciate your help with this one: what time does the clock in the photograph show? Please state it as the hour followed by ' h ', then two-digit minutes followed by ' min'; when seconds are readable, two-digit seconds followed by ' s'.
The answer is 1 h 22 min
